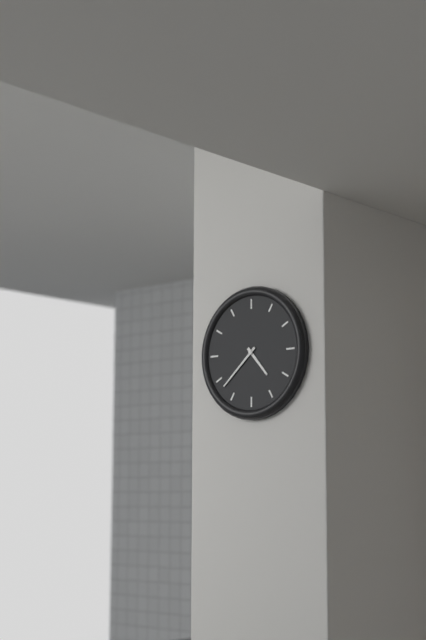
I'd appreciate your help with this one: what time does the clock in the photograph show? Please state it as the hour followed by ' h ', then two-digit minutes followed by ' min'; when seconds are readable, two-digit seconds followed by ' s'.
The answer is 4 h 38 min
